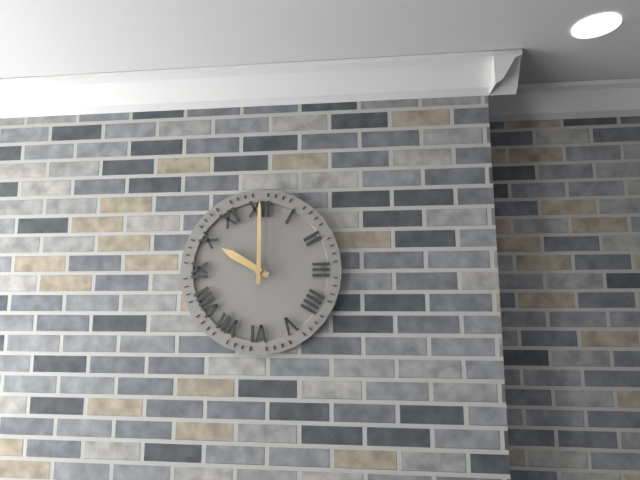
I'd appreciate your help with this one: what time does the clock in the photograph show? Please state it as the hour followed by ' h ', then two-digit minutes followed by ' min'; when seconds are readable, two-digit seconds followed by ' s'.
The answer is 10 h 00 min
